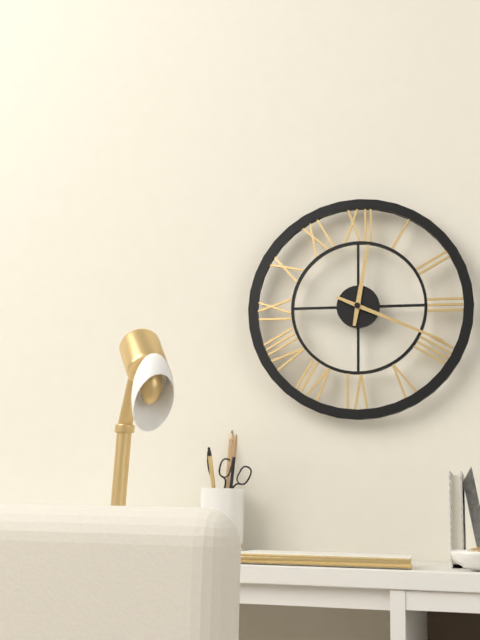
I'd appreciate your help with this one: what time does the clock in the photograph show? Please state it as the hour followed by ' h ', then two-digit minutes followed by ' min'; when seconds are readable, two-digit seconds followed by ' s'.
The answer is 12 h 19 min
